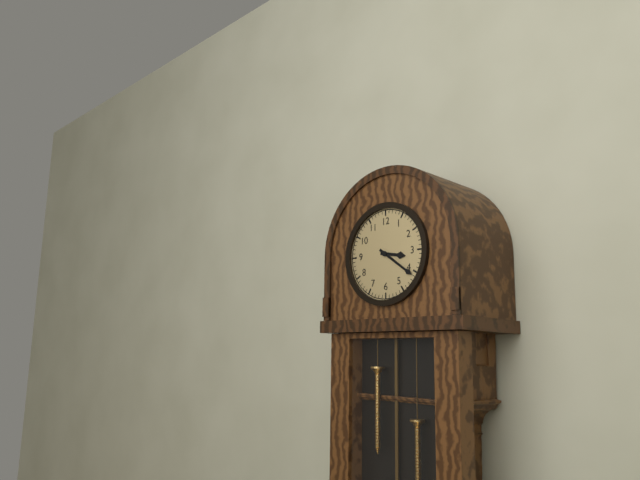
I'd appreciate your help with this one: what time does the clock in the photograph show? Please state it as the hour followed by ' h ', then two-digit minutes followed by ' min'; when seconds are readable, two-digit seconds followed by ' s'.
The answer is 3 h 21 min
